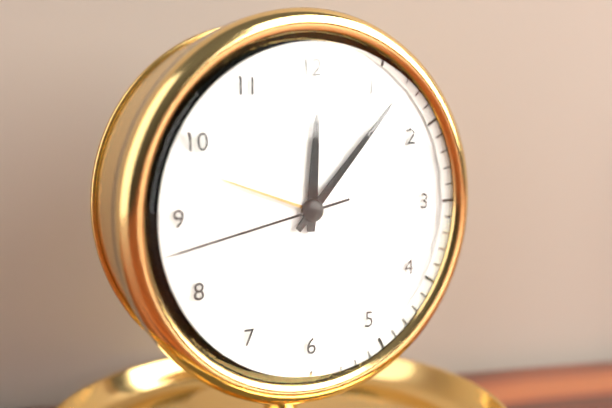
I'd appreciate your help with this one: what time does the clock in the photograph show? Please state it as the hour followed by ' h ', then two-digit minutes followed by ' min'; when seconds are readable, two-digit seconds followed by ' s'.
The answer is 12 h 07 min 43 s
